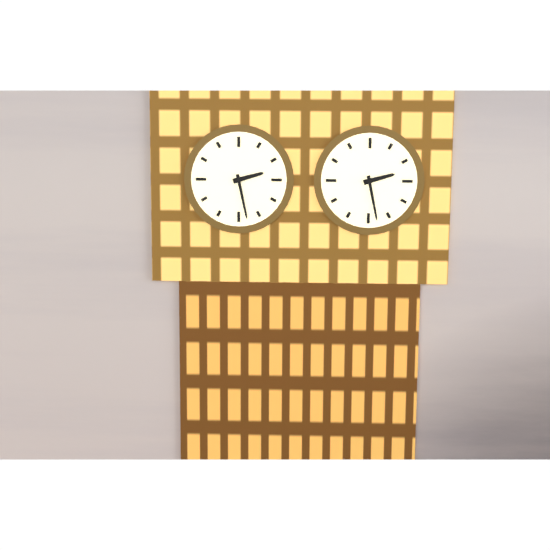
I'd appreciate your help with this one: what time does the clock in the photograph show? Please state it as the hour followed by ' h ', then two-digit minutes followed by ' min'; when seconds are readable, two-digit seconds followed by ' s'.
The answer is 2 h 28 min
